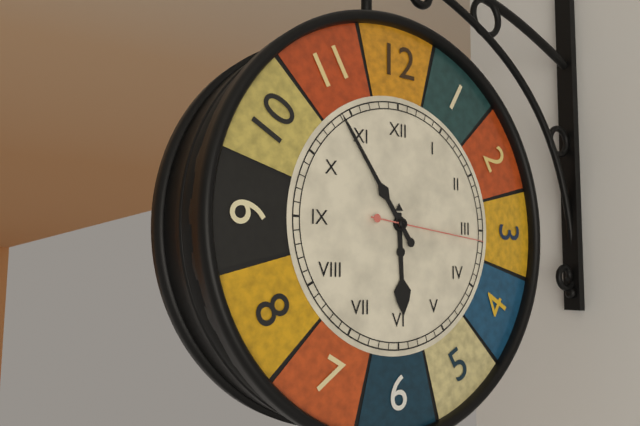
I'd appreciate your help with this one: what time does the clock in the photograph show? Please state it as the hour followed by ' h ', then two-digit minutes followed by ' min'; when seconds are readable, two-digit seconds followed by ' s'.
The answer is 5 h 54 min 16 s
